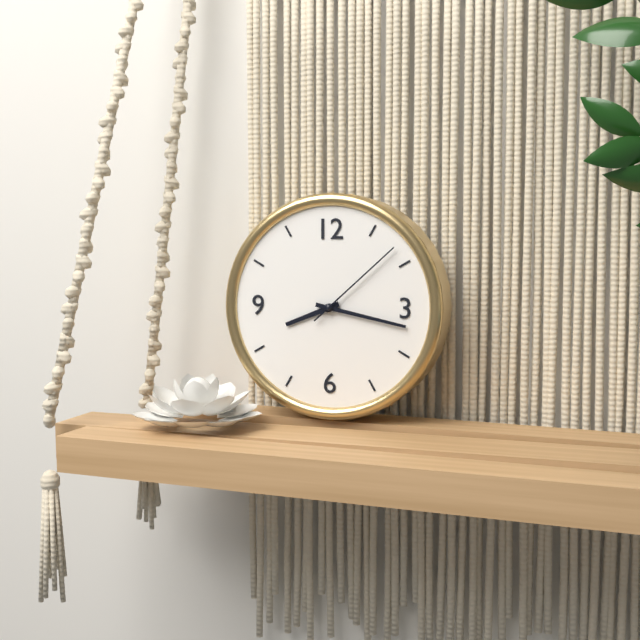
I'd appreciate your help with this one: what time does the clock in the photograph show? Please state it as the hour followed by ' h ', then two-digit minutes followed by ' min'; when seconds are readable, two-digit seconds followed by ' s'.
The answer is 8 h 17 min 08 s
